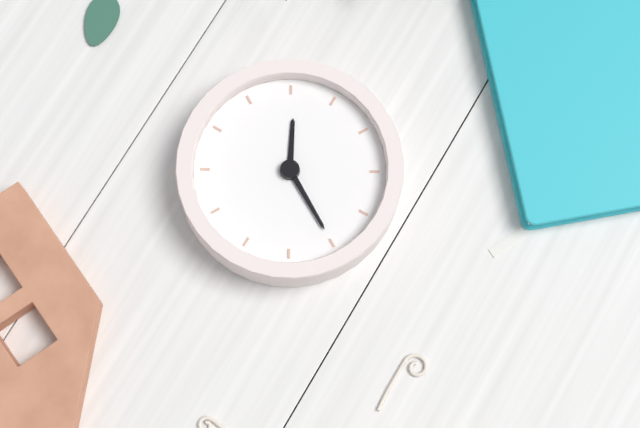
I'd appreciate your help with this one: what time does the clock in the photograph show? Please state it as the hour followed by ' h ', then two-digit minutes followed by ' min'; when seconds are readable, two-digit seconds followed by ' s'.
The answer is 8 h 05 min
